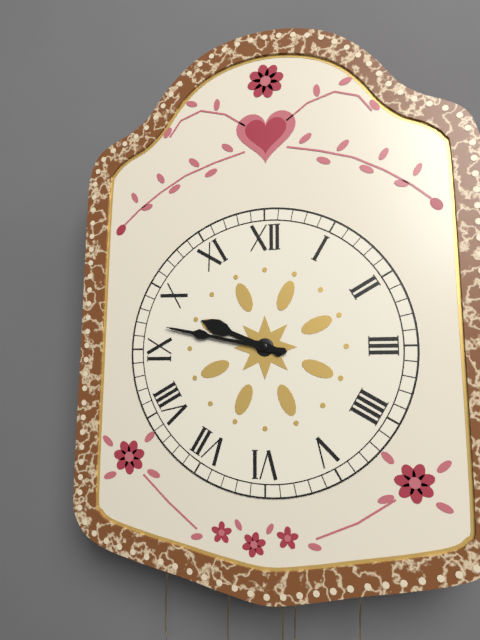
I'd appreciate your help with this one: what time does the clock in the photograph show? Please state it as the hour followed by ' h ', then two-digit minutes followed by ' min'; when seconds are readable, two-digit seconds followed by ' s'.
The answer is 9 h 47 min
